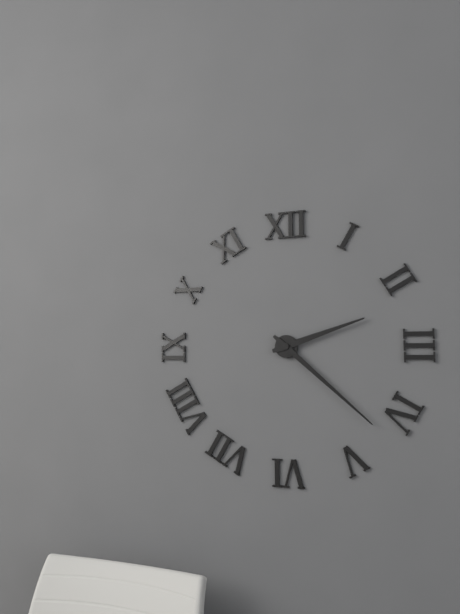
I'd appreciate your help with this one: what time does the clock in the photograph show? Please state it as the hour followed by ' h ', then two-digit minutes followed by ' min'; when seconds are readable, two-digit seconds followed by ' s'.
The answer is 2 h 22 min
